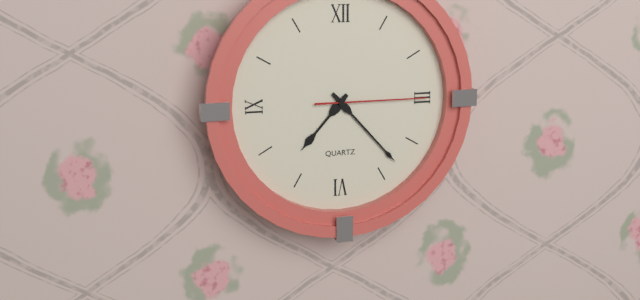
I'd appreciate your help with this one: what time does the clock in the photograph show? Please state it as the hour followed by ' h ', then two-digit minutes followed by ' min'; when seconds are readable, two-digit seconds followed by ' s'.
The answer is 7 h 23 min 15 s
